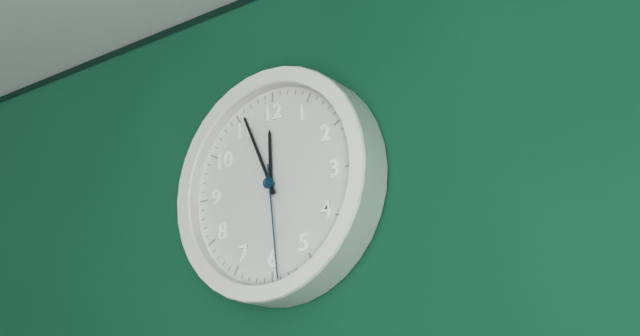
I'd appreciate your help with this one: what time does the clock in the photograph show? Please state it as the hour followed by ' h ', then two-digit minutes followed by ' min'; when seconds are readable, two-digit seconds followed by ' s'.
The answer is 11 h 56 min 29 s
